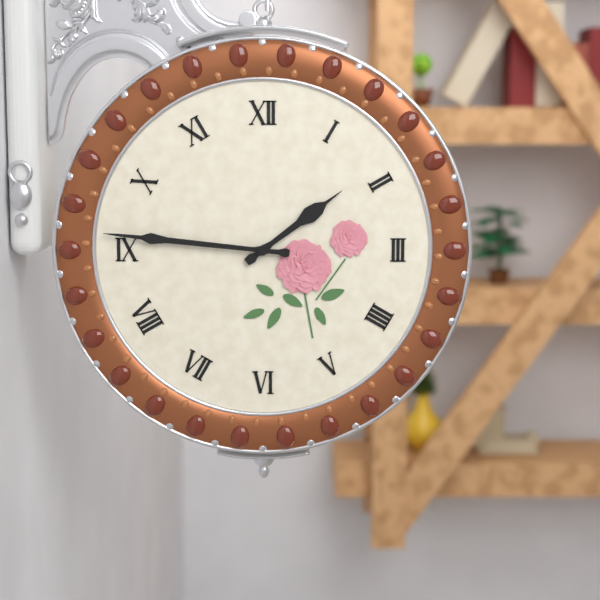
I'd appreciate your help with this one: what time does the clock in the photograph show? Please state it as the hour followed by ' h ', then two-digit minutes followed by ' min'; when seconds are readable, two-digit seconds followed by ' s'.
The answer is 1 h 46 min
